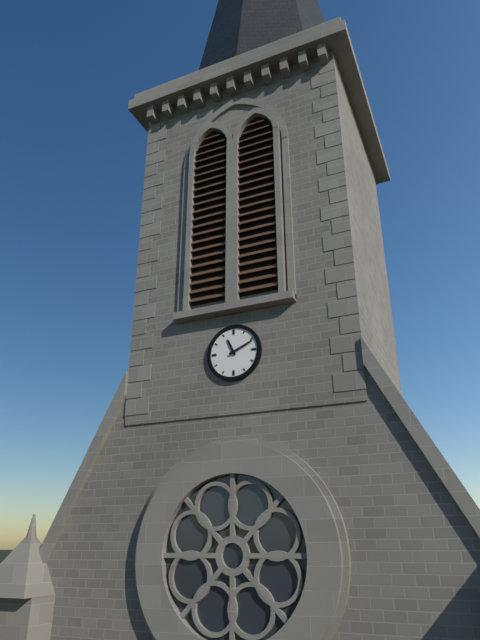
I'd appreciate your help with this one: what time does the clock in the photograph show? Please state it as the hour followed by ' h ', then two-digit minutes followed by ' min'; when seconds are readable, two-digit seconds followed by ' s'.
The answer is 11 h 11 min
